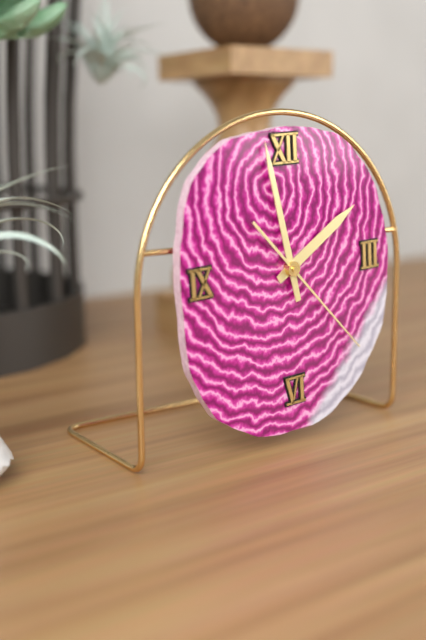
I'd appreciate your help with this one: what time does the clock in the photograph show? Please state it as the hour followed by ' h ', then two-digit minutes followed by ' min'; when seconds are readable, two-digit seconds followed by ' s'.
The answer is 1 h 58 min 23 s
